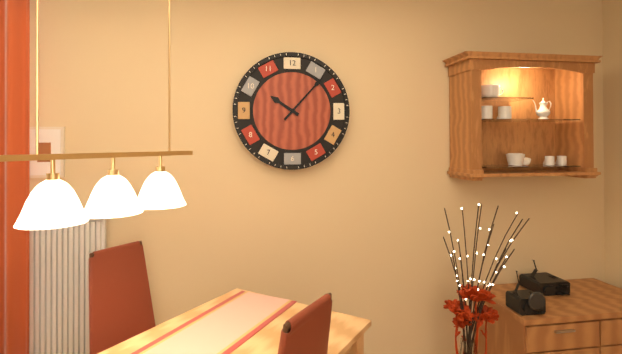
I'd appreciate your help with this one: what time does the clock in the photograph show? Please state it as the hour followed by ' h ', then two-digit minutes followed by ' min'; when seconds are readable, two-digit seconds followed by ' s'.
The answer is 10 h 07 min
